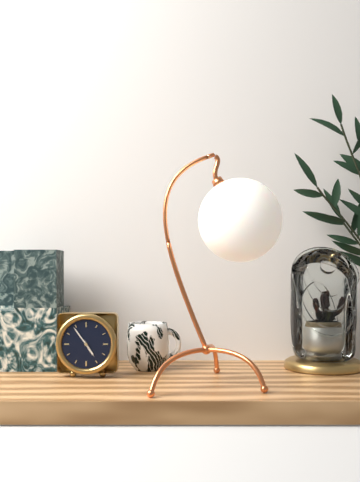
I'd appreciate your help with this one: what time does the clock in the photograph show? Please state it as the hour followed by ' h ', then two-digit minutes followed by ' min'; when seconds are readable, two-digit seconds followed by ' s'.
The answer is 4 h 54 min
